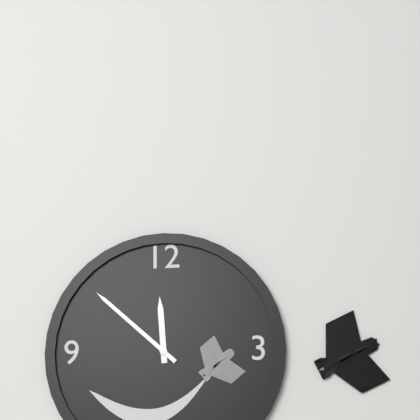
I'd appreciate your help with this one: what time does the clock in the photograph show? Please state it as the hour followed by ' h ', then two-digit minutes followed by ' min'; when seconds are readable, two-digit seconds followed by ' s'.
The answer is 11 h 52 min
